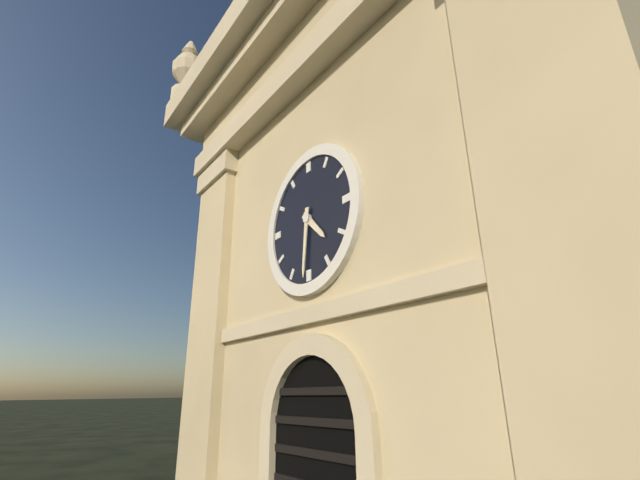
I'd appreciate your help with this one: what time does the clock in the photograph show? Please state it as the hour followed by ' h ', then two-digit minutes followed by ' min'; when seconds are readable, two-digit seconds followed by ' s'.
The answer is 4 h 31 min
